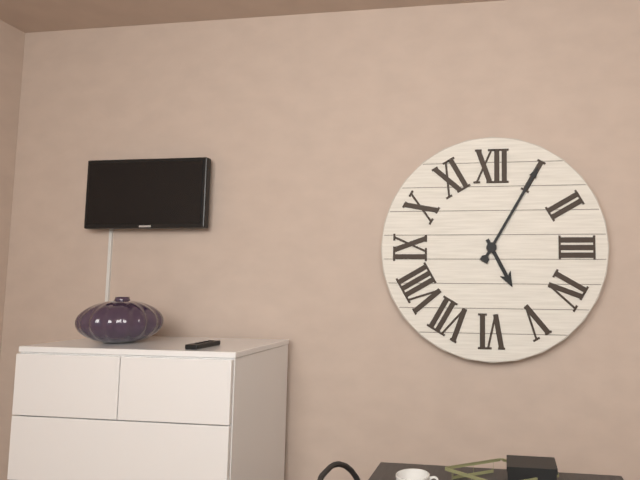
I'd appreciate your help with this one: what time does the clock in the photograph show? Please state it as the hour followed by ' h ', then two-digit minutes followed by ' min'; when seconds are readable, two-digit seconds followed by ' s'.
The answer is 5 h 05 min
